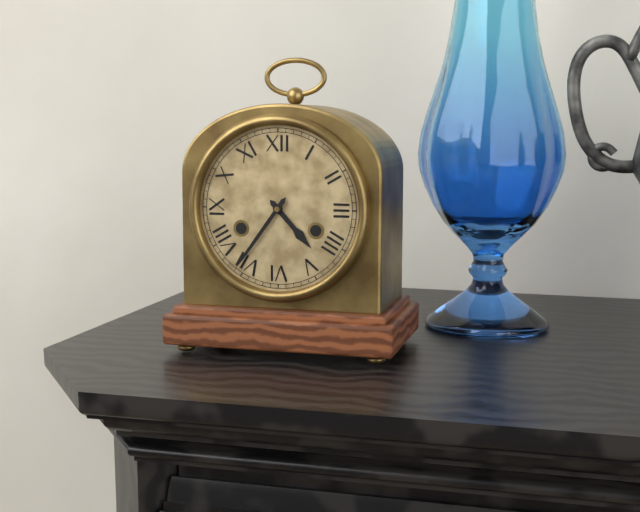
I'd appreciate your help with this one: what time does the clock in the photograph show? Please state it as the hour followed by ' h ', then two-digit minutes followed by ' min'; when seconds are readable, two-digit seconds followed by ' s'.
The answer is 4 h 36 min
